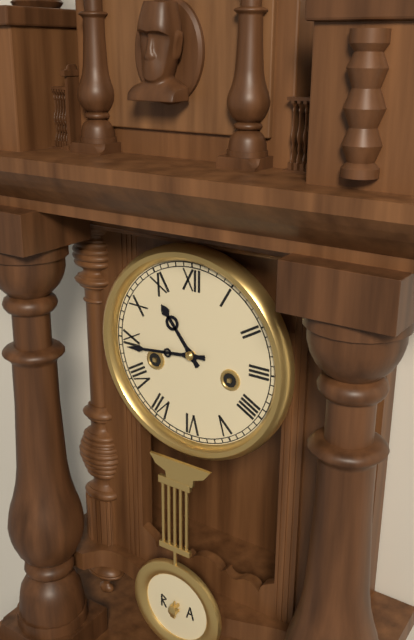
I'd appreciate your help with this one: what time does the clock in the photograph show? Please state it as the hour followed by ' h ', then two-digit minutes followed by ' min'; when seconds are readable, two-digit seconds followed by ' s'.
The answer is 10 h 44 min
